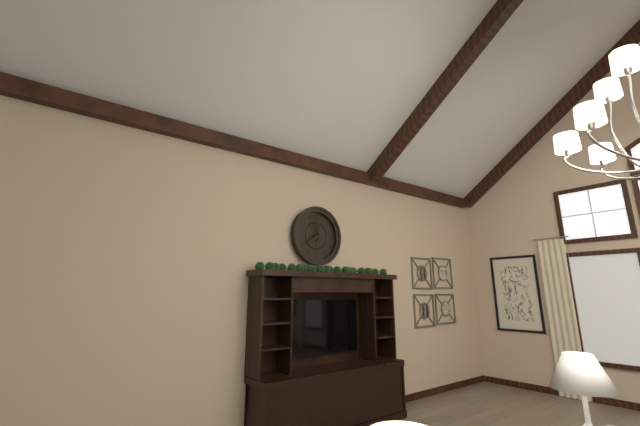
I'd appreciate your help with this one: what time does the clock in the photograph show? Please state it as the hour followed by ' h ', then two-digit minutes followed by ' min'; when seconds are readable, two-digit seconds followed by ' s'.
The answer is 7 h 59 min
